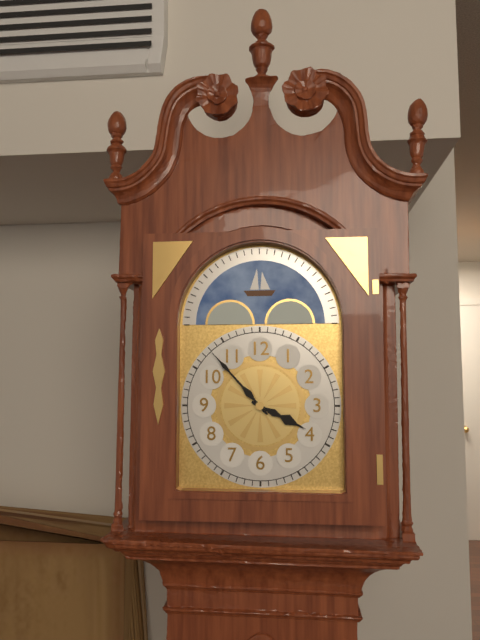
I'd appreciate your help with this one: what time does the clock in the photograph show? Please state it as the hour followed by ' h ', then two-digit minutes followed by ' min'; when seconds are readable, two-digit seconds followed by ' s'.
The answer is 3 h 53 min
